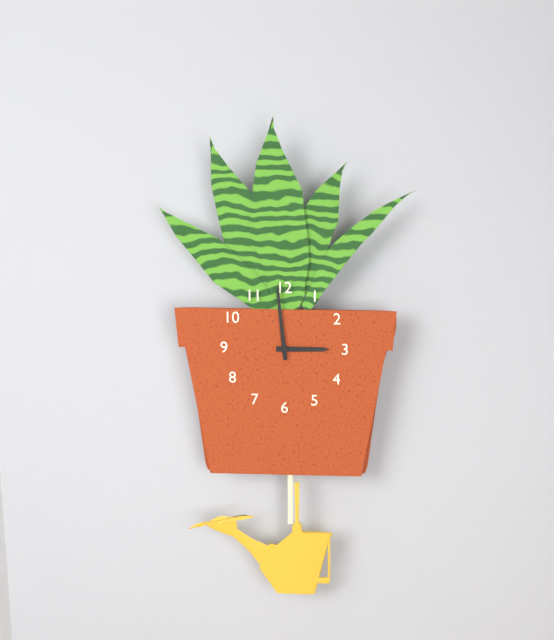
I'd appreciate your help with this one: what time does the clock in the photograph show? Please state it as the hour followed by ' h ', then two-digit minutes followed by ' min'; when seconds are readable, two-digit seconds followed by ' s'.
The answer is 2 h 59 min
